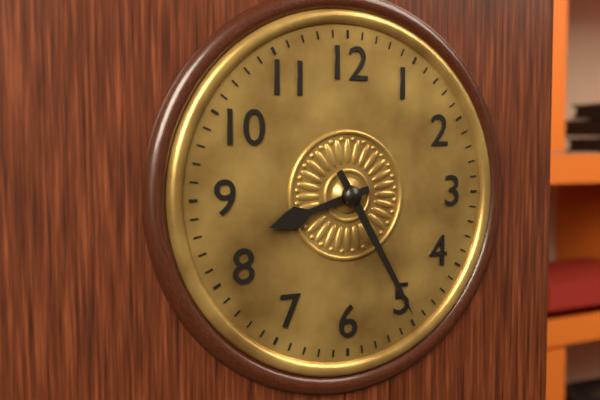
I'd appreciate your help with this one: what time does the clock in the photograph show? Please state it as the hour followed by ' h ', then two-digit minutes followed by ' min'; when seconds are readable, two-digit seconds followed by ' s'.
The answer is 8 h 25 min
